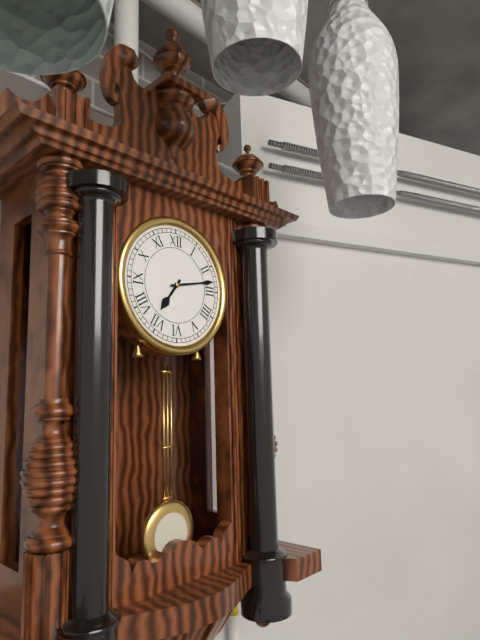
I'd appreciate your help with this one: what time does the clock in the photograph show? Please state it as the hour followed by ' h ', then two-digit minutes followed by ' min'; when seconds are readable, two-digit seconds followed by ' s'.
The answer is 7 h 13 min
